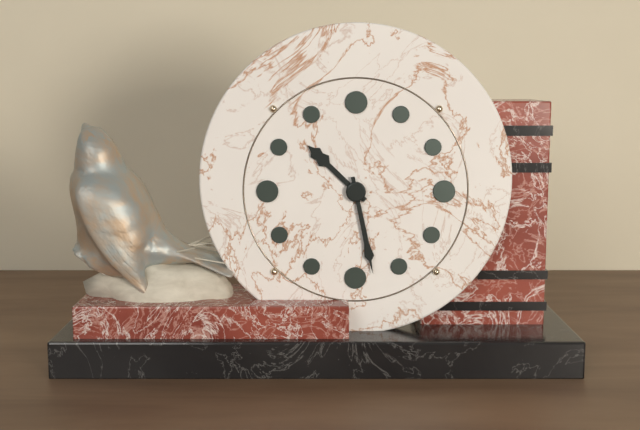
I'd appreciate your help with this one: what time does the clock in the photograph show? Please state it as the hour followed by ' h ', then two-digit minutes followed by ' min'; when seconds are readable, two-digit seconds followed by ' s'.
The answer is 10 h 28 min
